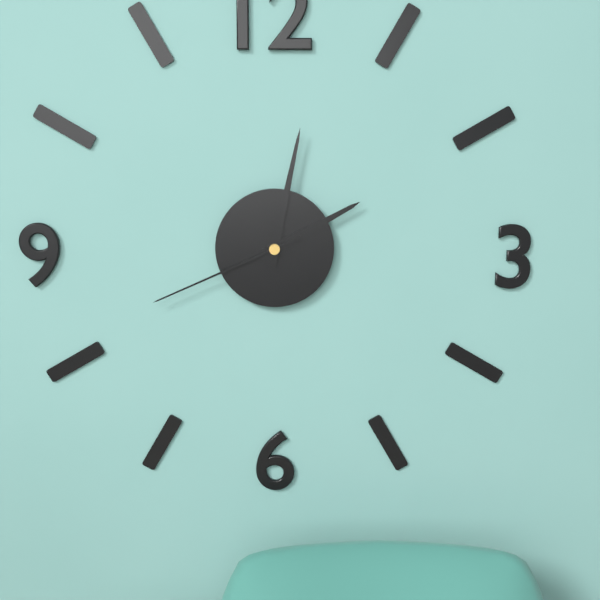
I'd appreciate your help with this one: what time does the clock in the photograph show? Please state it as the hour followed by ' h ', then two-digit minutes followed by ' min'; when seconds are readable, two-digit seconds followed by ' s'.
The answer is 2 h 02 min 41 s
